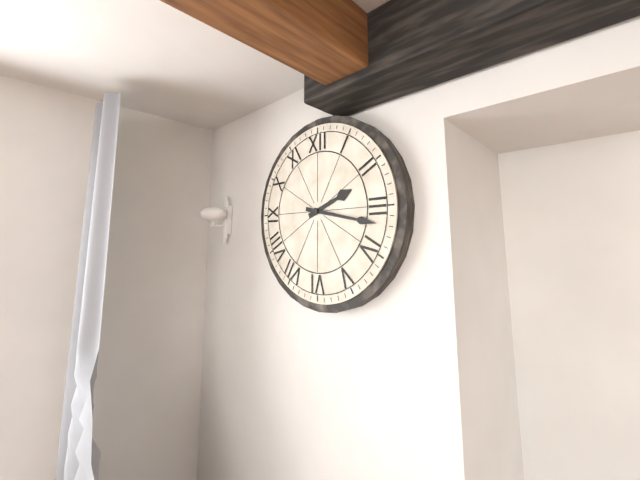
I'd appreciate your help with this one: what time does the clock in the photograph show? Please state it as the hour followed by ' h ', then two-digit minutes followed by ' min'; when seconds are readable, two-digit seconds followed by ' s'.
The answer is 2 h 17 min
